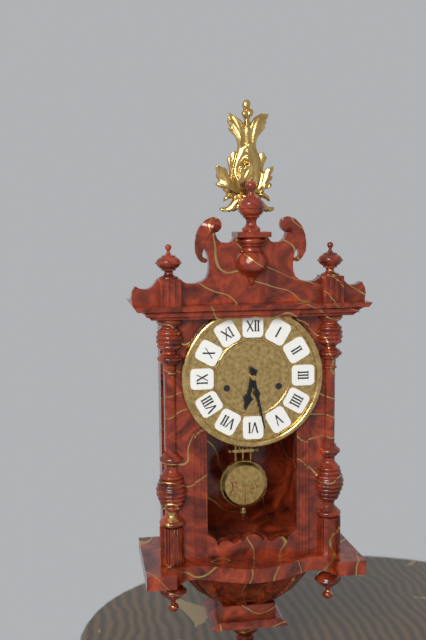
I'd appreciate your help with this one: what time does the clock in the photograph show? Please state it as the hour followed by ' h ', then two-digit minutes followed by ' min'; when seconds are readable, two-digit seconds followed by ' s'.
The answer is 6 h 28 min
